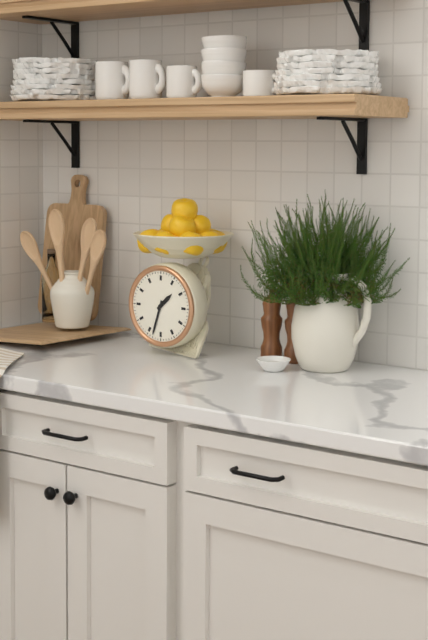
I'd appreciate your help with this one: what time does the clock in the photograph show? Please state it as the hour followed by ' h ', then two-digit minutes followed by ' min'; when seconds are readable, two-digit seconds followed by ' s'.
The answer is 1 h 33 min
